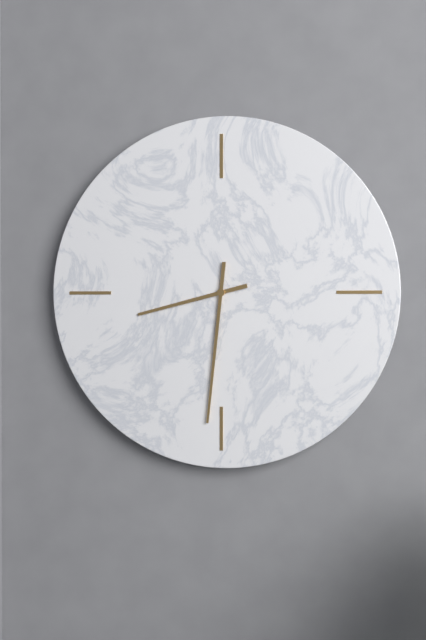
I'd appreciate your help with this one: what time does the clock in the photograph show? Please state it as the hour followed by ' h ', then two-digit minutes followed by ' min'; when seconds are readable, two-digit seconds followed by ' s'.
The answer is 8 h 31 min
